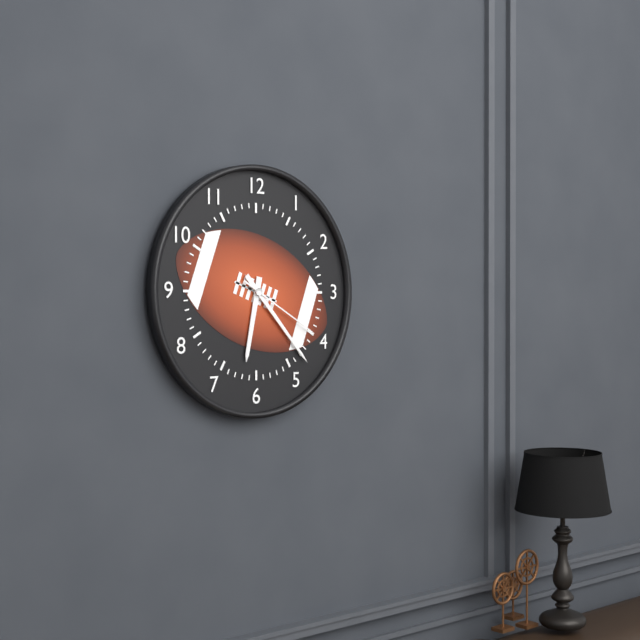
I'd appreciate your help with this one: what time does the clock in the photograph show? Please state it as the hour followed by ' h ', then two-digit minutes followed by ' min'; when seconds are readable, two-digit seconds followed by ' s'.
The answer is 6 h 23 min 20 s
